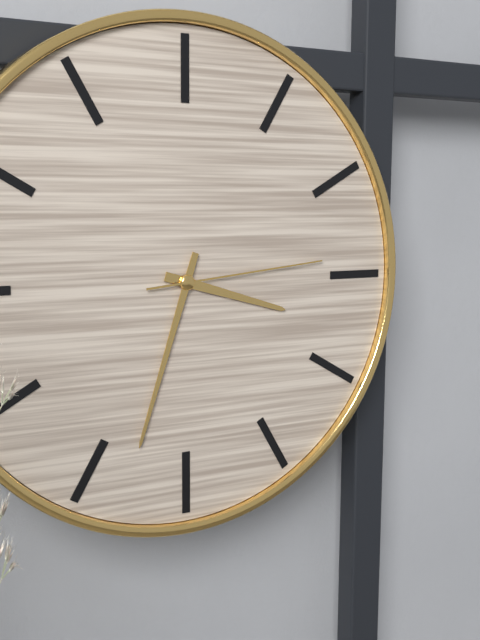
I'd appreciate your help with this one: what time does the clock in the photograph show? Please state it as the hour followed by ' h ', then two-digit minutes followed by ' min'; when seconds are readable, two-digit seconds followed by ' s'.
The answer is 3 h 33 min 14 s
